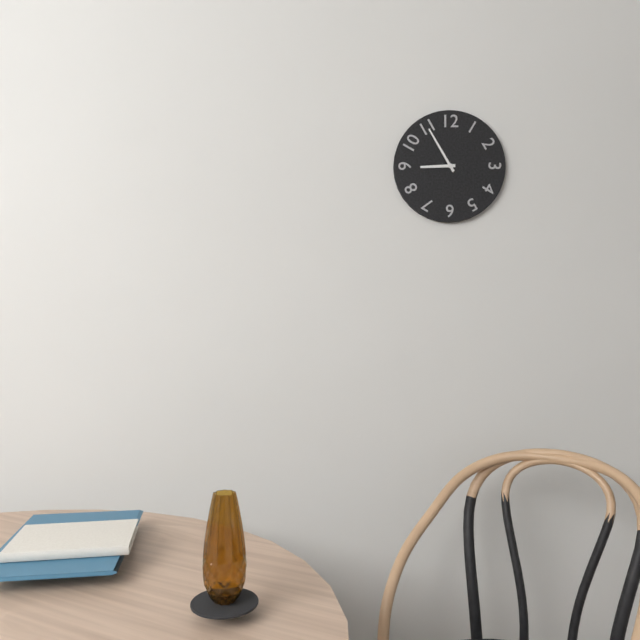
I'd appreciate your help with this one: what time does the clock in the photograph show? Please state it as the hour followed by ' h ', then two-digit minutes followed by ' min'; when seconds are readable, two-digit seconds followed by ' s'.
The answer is 8 h 55 min
